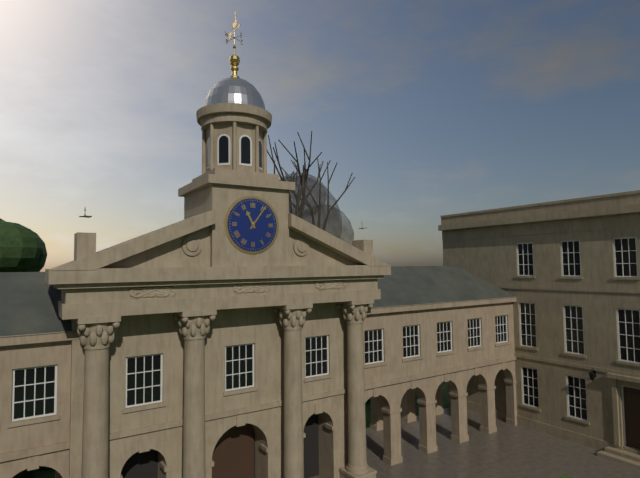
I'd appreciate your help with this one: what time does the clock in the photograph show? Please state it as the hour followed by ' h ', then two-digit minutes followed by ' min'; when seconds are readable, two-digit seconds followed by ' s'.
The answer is 11 h 06 min
